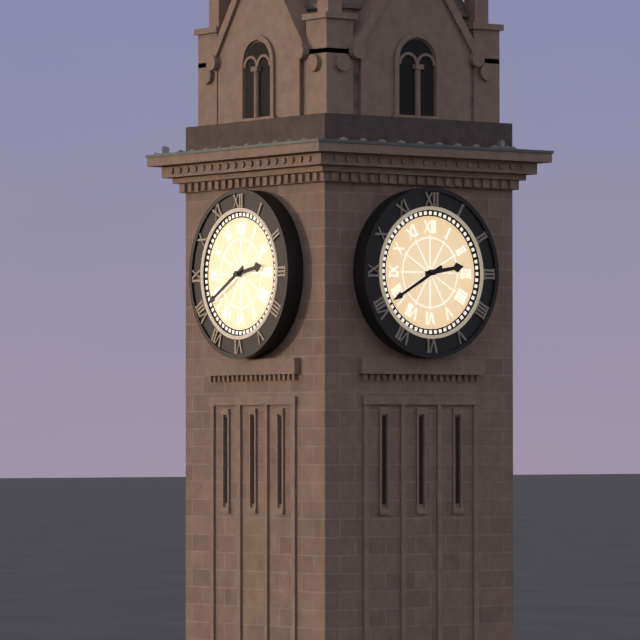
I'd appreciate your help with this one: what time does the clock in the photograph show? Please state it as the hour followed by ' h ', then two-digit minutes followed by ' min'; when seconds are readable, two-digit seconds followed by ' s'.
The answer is 2 h 40 min
